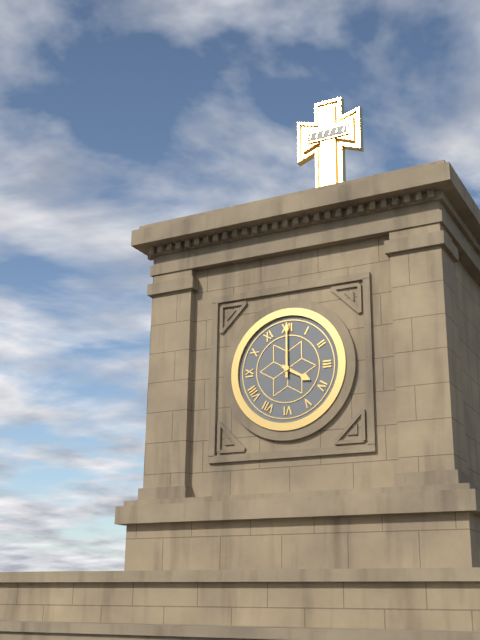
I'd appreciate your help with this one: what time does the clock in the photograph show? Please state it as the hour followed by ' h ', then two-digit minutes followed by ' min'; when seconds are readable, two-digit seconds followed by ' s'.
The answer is 4 h 00 min
